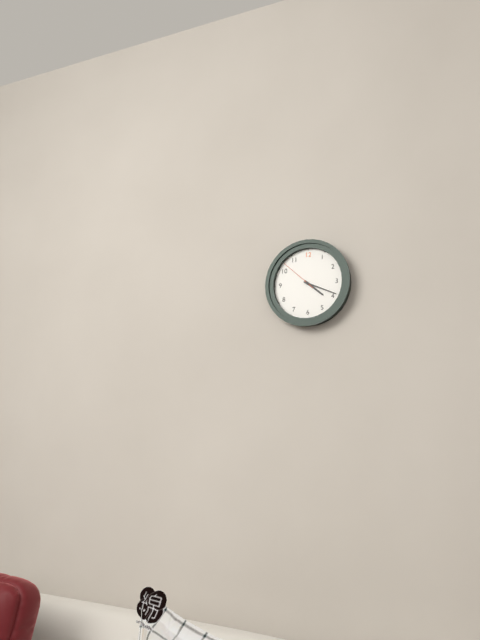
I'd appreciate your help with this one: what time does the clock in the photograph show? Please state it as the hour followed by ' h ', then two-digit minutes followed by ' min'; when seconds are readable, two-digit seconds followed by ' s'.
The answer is 4 h 19 min
